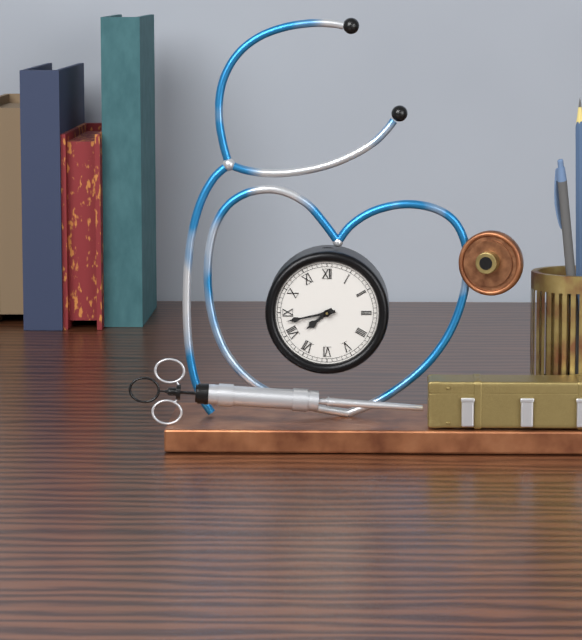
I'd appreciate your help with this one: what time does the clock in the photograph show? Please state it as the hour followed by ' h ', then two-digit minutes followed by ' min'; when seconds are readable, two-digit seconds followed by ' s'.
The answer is 7 h 43 min
